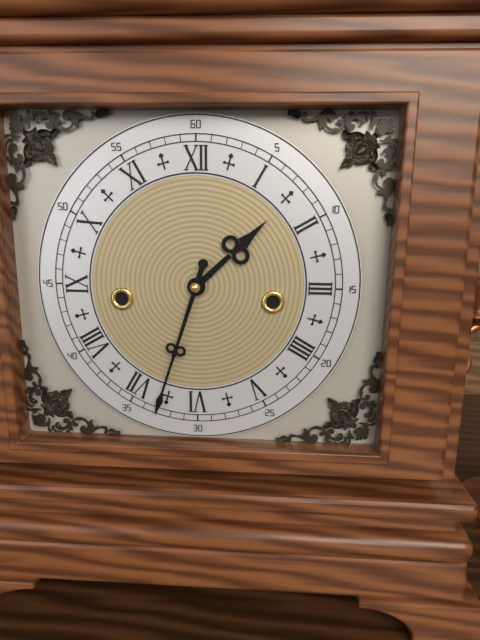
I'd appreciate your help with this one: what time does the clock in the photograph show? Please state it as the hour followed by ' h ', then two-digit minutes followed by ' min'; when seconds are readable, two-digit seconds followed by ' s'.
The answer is 1 h 33 min
